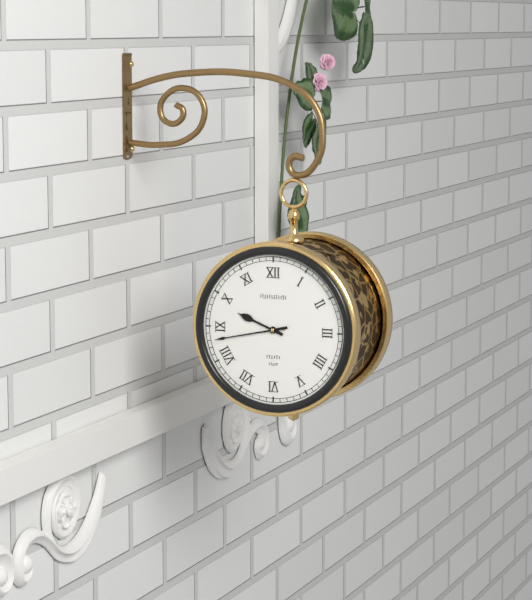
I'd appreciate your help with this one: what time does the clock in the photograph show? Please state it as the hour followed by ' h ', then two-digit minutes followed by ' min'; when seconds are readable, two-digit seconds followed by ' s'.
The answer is 9 h 43 min
